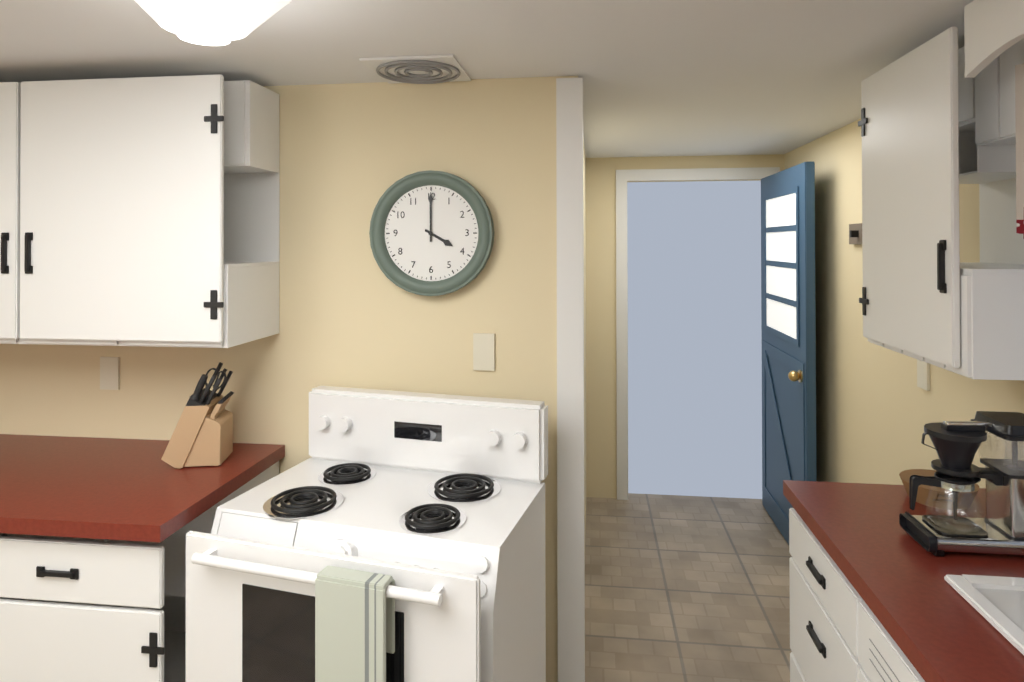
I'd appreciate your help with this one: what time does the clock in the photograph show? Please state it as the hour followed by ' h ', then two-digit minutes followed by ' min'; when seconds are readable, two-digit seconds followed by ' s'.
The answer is 4 h 00 min
